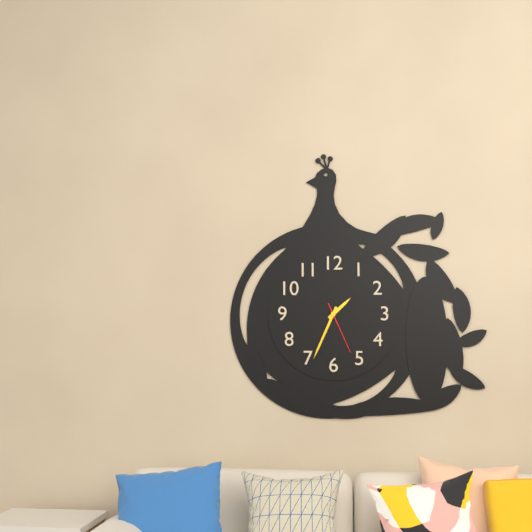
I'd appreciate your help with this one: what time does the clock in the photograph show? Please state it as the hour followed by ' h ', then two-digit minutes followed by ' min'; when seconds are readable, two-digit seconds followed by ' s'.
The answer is 1 h 34 min 26 s
